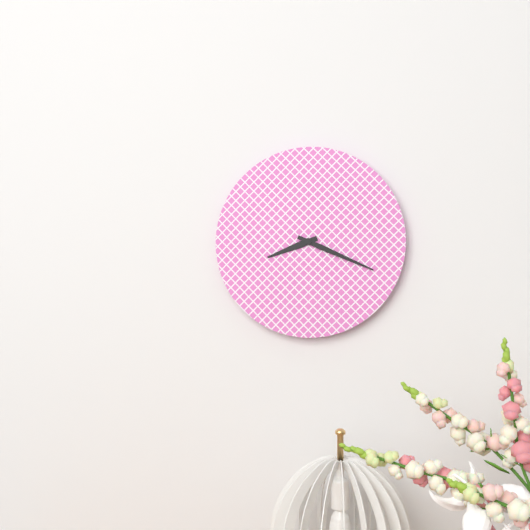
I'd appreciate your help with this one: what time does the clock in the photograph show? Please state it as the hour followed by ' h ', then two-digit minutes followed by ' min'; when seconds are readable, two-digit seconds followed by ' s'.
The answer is 8 h 19 min
